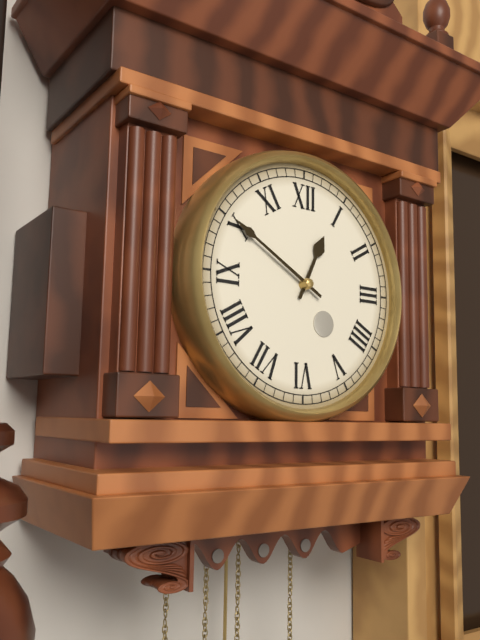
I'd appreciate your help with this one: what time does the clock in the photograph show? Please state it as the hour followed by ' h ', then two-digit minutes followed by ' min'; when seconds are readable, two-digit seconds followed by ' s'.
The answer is 12 h 50 min
